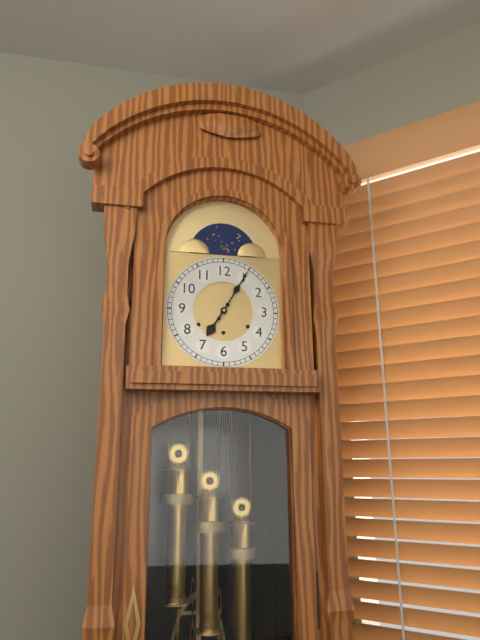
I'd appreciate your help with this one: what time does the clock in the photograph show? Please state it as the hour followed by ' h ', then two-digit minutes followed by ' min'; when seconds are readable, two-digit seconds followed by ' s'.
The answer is 7 h 05 min
